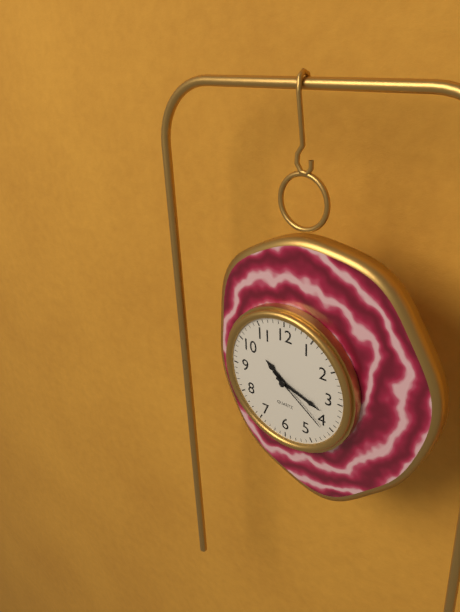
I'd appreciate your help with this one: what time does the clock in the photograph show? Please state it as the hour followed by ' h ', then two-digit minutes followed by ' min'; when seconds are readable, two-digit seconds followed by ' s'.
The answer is 10 h 18 min 21 s
